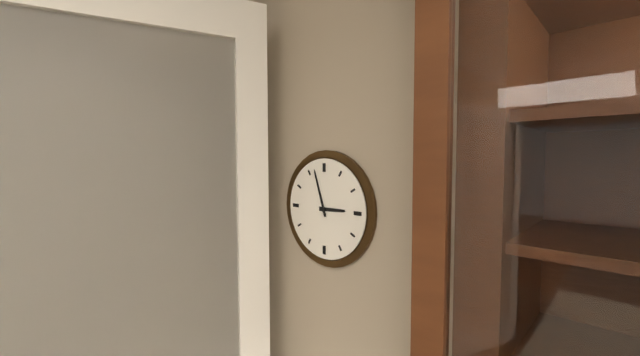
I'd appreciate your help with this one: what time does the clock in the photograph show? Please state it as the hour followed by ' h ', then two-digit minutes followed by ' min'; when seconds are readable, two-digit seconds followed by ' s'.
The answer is 2 h 57 min
